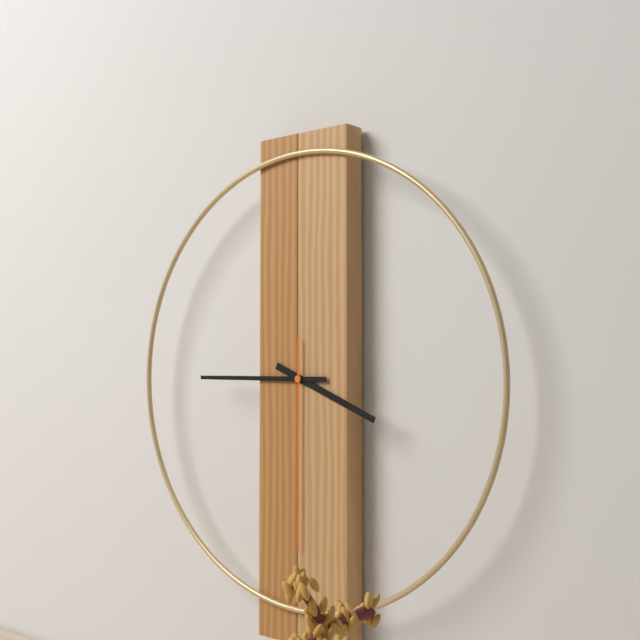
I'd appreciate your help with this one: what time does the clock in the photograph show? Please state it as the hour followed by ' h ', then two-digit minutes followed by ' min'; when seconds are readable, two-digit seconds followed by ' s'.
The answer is 3 h 45 min 30 s
